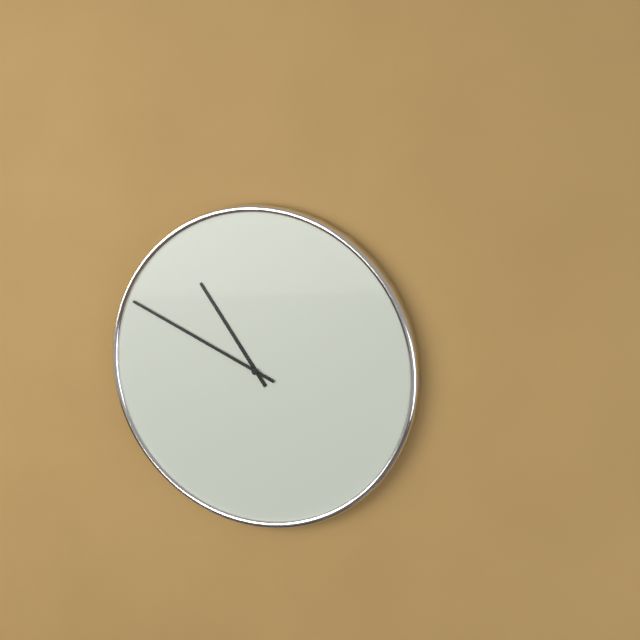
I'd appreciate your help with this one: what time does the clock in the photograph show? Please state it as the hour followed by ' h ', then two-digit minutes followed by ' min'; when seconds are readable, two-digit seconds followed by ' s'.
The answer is 10 h 49 min
